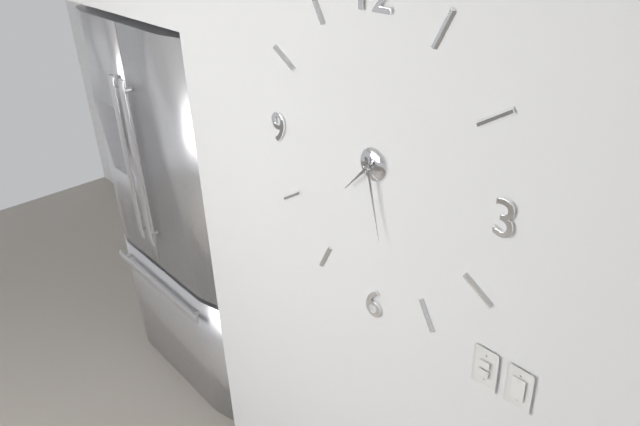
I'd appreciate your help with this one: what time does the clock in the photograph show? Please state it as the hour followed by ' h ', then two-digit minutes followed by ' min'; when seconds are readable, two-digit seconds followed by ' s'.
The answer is 7 h 28 min
